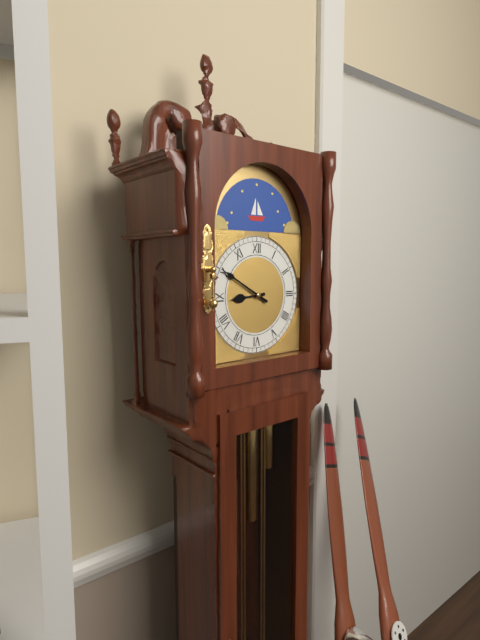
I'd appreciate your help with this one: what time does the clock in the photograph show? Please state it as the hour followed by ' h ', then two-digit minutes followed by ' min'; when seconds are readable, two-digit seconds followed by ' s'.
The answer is 8 h 50 min
